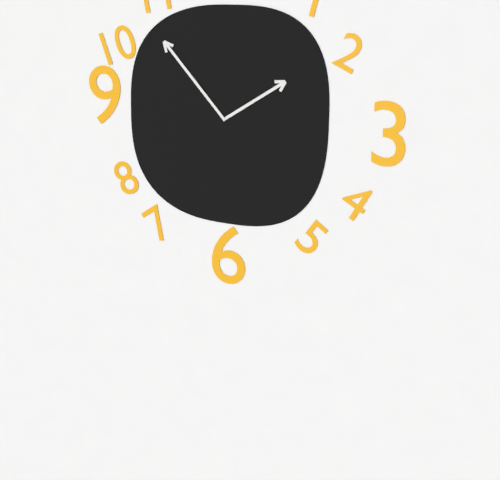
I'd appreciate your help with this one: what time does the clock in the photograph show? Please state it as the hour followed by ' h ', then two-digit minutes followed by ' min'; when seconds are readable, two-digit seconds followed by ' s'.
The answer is 1 h 53 min
